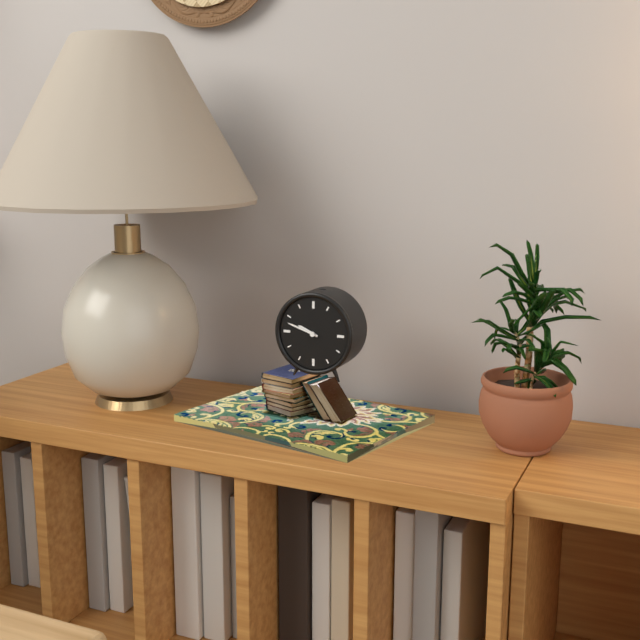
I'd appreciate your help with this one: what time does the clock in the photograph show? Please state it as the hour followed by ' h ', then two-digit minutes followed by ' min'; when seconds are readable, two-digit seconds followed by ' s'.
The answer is 9 h 48 min
